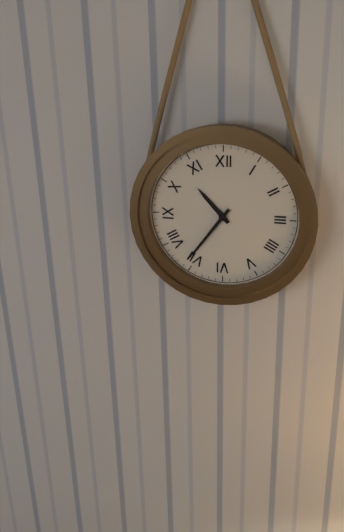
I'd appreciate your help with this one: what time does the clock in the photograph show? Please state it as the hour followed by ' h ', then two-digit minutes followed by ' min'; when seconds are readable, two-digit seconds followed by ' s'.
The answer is 10 h 36 min
